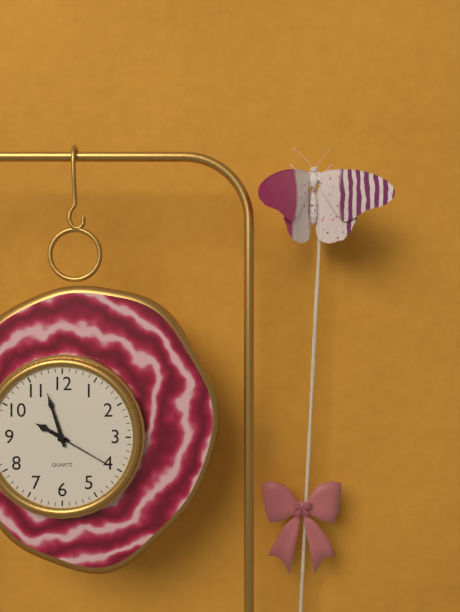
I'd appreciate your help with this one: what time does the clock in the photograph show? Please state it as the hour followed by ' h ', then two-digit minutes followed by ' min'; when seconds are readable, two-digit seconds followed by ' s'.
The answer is 9 h 57 min 20 s
